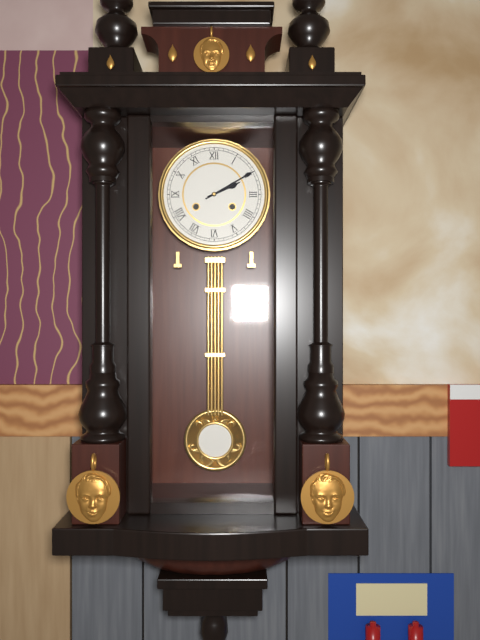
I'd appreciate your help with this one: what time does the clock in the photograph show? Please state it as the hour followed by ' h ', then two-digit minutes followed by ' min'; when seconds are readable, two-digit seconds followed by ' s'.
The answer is 2 h 10 min
